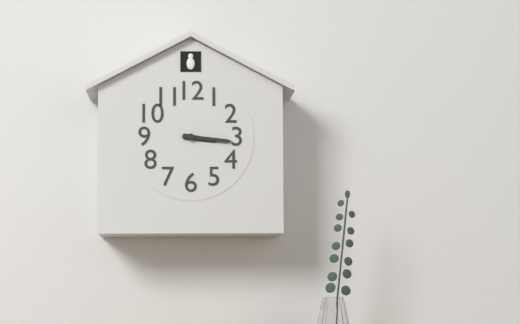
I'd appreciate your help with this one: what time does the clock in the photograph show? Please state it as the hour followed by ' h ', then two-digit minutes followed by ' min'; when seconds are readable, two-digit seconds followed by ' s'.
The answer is 3 h 16 min
